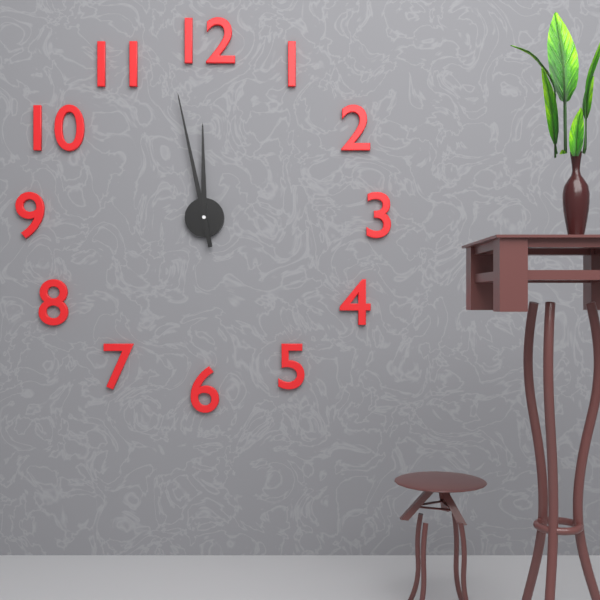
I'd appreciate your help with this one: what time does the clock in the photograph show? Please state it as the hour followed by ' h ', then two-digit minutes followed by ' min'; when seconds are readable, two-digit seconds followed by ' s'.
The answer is 11 h 58 min
